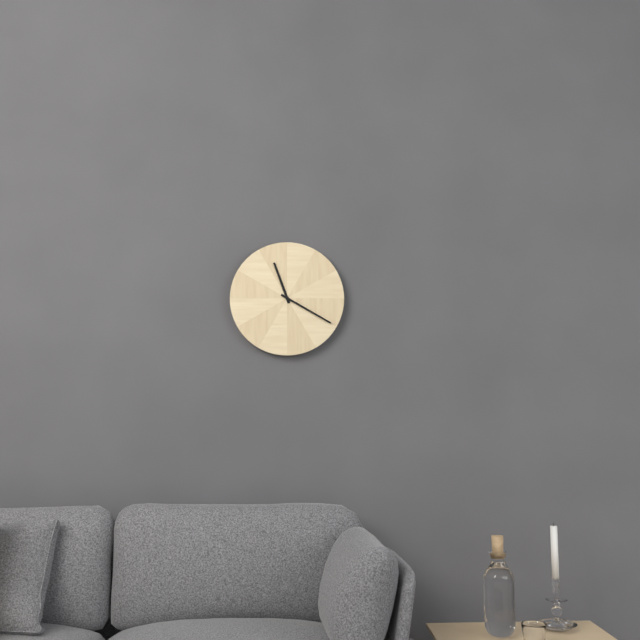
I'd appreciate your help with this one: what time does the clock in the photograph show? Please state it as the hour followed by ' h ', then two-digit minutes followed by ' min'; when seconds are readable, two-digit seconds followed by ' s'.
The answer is 11 h 20 min
